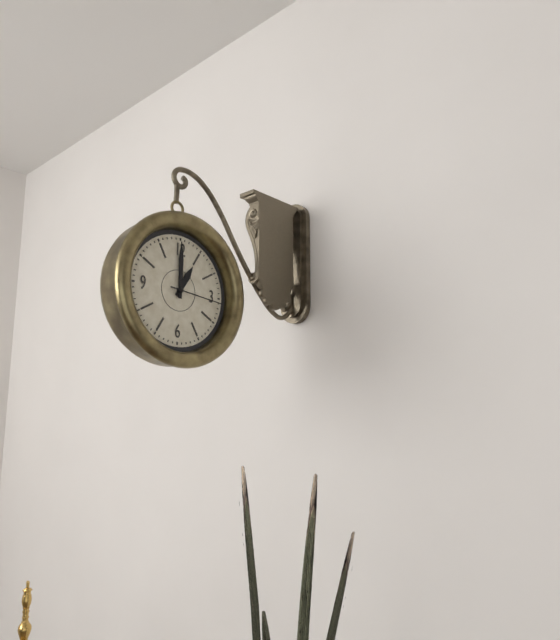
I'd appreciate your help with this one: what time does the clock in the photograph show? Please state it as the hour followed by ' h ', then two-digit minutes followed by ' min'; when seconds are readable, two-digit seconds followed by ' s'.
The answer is 1 h 00 min
